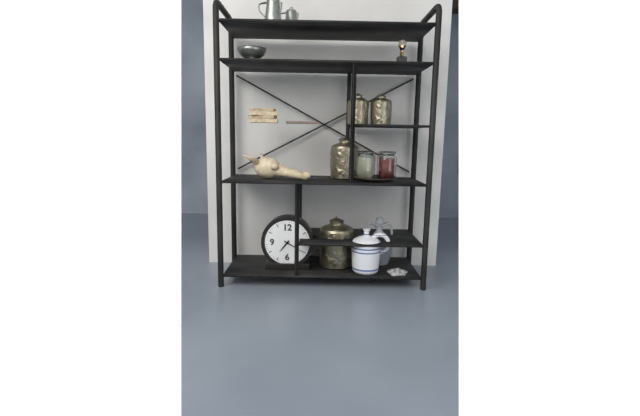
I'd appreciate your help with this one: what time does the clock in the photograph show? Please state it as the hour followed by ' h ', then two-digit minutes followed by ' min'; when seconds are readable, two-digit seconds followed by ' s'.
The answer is 7 h 20 min
